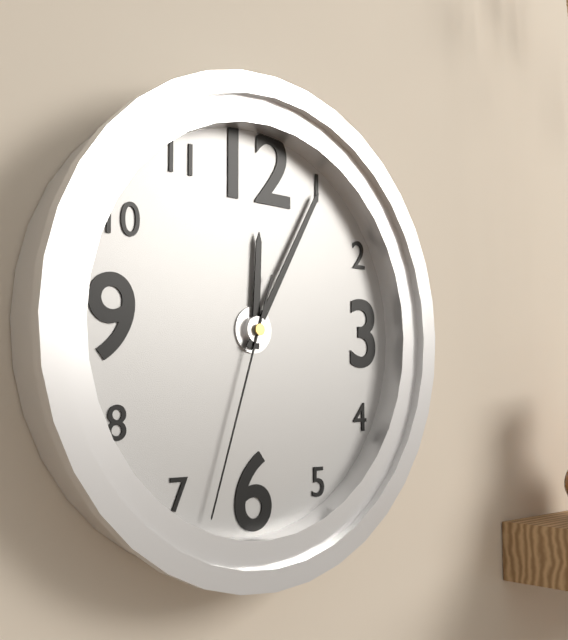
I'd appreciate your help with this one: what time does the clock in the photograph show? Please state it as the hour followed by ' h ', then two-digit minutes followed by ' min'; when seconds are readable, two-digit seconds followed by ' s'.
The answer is 12 h 05 min 33 s
